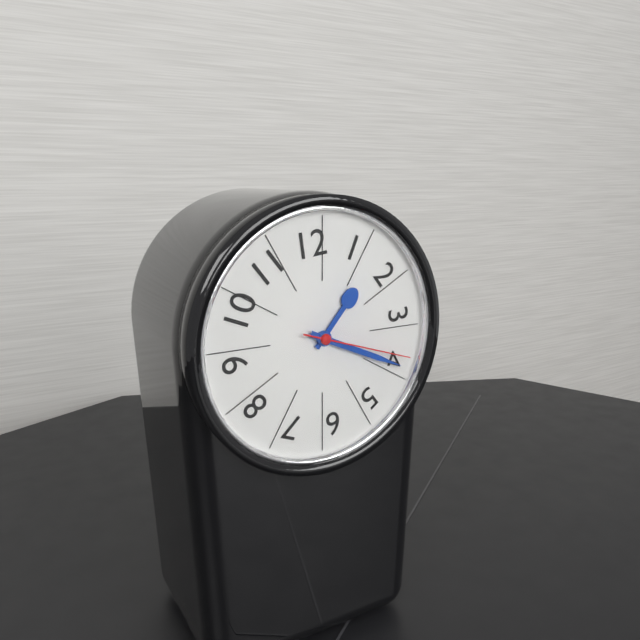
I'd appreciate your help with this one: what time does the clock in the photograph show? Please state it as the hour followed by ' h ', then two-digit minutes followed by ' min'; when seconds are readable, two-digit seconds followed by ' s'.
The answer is 1 h 19 min 18 s
